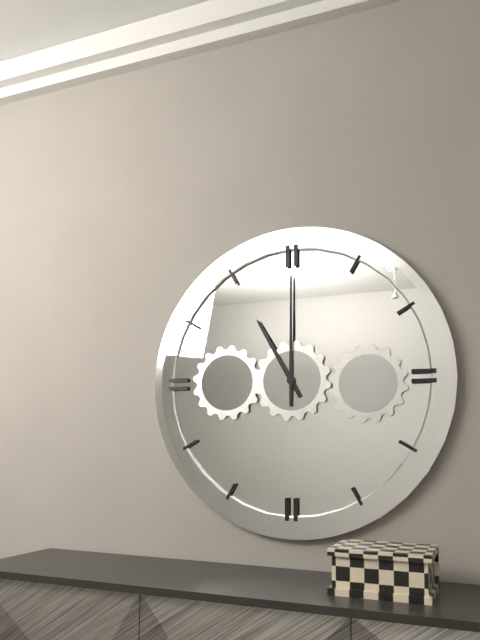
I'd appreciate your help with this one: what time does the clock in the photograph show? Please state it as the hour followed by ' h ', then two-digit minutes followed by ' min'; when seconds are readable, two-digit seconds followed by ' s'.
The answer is 11 h 00 min
